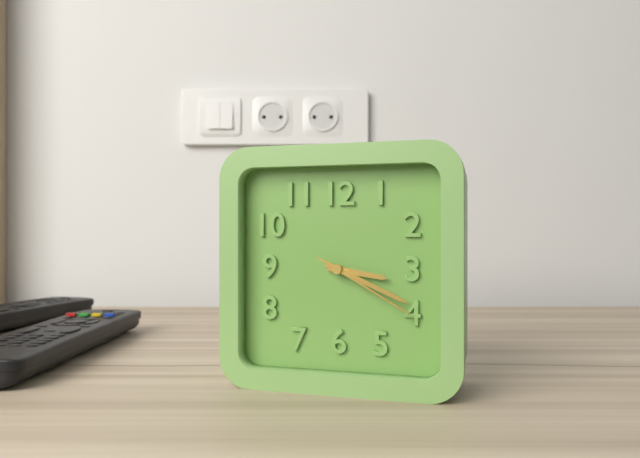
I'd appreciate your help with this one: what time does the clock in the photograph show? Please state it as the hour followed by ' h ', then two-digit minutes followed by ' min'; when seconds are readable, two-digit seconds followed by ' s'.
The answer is 3 h 19 min 20 s
